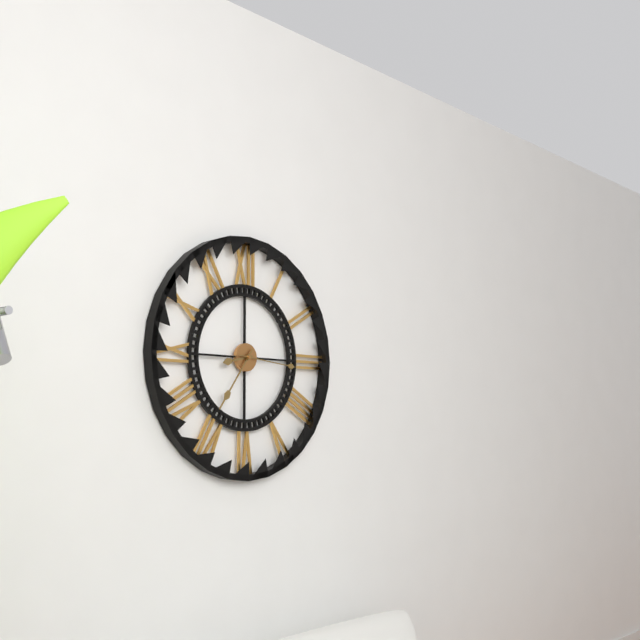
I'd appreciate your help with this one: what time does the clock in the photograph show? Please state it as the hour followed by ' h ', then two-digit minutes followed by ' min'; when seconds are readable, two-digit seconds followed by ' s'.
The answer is 8 h 36 min 16 s
